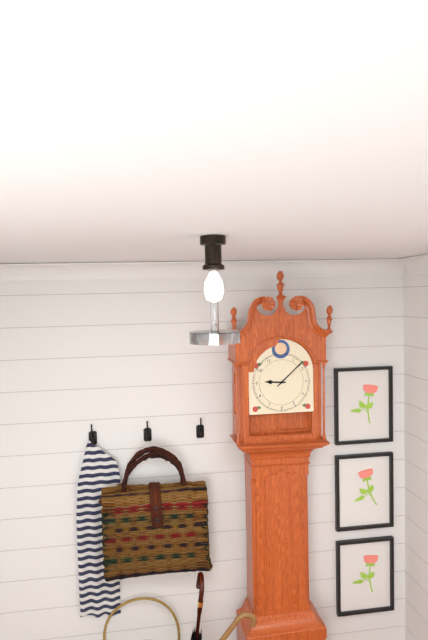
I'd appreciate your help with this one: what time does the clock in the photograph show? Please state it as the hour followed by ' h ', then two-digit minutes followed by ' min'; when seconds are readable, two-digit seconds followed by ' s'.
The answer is 9 h 08 min
